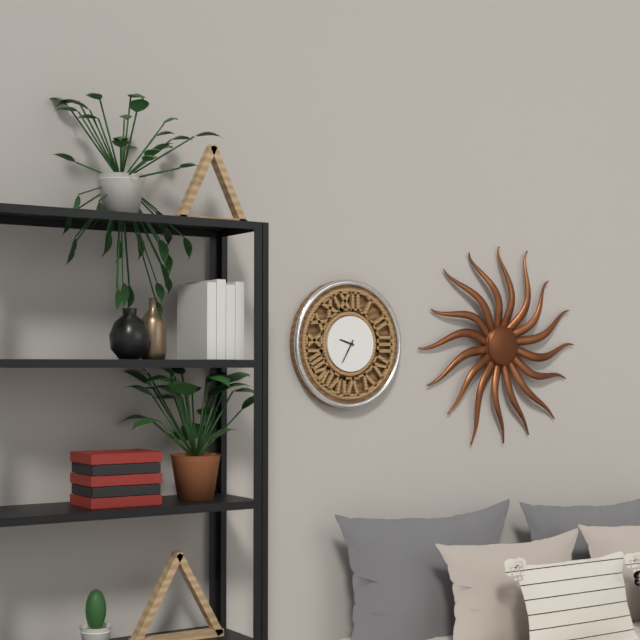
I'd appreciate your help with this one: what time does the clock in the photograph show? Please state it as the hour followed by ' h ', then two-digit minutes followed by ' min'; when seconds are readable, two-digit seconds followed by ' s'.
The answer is 9 h 35 min
